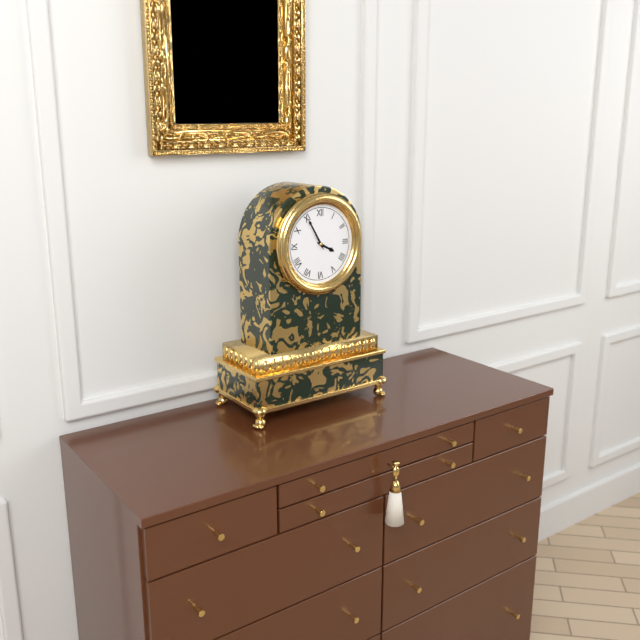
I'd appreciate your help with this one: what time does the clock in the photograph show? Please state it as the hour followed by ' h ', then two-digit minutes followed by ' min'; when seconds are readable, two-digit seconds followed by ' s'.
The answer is 3 h 55 min
